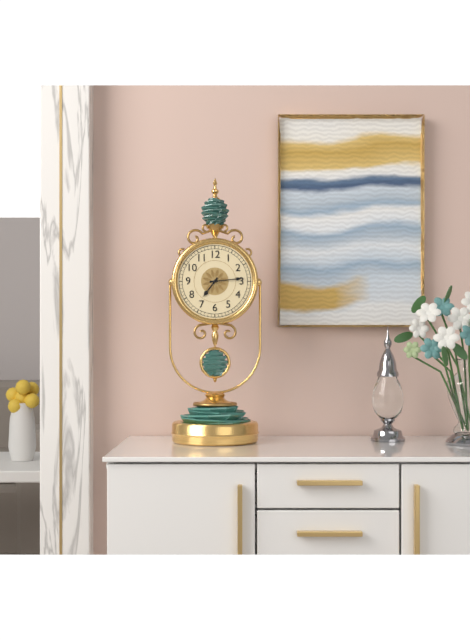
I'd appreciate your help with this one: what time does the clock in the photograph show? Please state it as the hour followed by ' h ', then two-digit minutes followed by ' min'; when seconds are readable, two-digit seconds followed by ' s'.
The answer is 7 h 14 min
